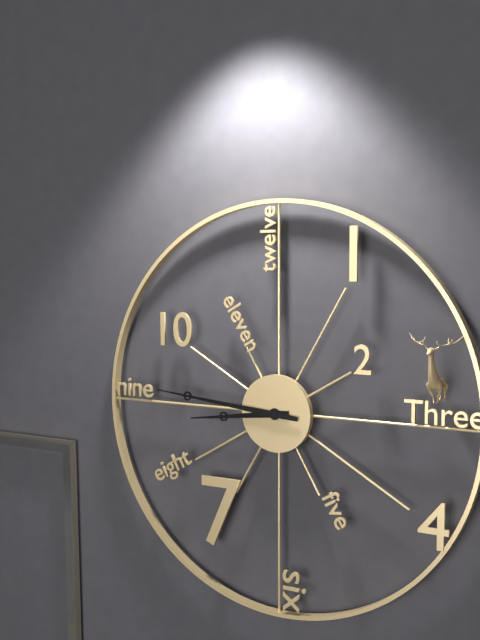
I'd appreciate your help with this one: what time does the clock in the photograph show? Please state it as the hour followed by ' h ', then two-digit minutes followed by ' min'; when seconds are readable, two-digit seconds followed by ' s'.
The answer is 8 h 46 min
